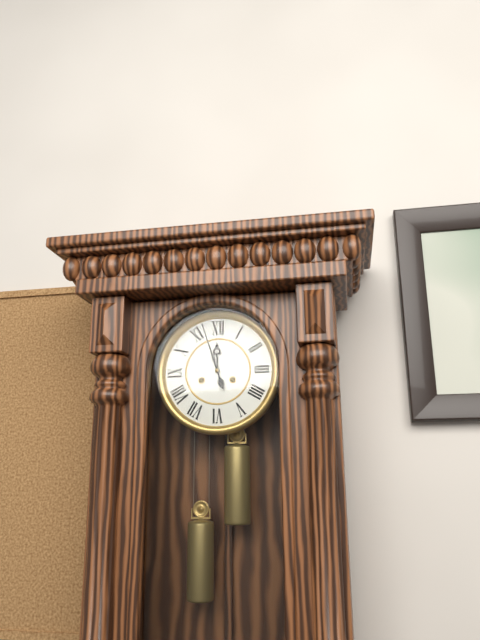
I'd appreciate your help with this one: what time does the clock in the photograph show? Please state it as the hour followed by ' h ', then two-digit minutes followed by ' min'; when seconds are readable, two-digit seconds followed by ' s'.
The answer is 11 h 57 min
